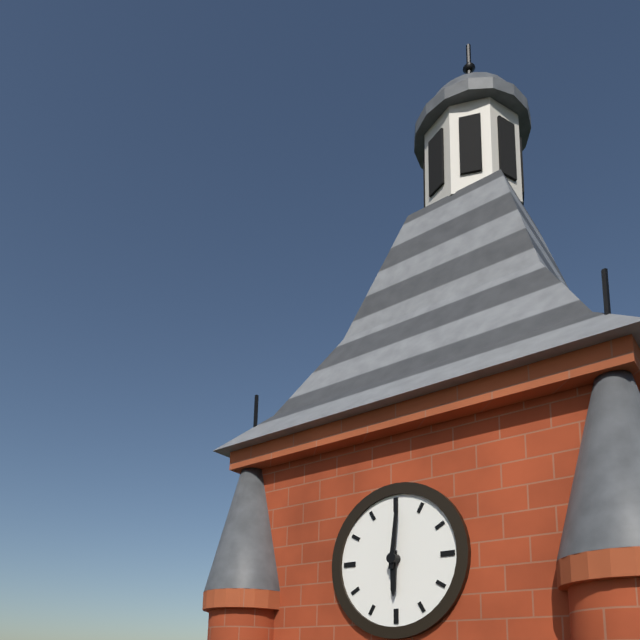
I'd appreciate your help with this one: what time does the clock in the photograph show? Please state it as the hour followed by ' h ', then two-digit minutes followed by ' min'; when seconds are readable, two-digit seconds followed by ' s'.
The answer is 6 h 01 min
